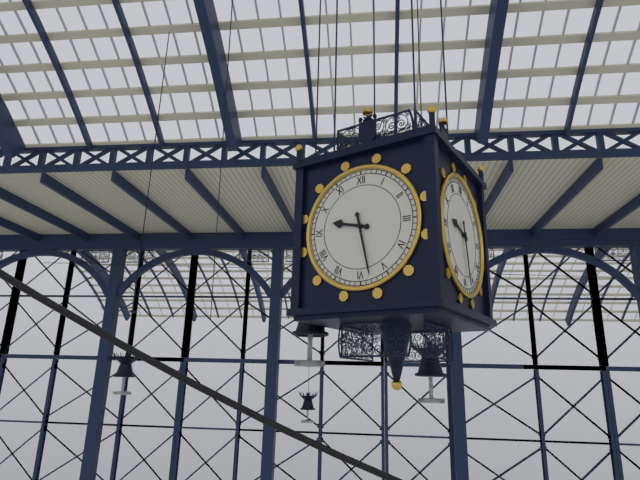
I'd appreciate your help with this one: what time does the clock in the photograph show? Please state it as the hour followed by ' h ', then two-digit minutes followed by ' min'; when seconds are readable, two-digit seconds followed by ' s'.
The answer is 9 h 28 min
